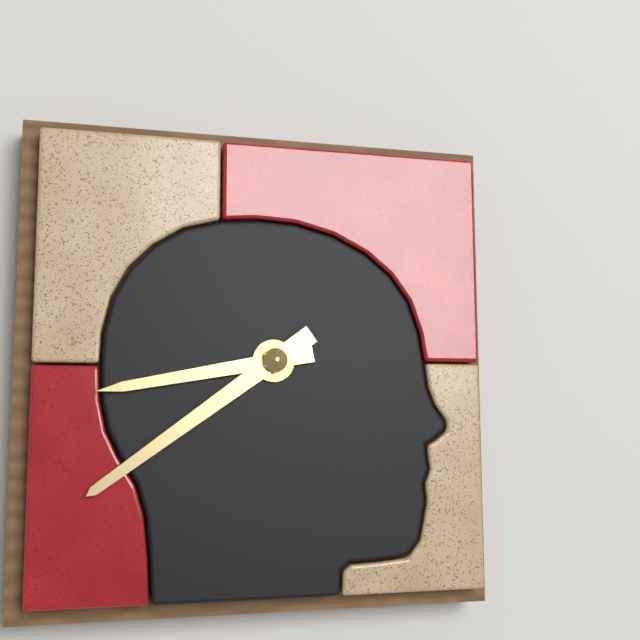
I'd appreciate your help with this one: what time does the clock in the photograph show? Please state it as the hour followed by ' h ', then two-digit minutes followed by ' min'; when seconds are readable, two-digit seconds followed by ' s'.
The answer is 8 h 39 min
